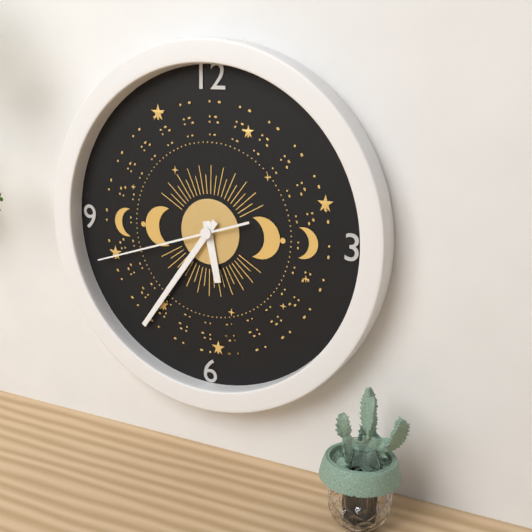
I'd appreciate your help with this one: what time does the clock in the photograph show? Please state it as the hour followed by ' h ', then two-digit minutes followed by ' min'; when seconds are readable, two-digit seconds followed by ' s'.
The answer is 5 h 36 min 42 s
